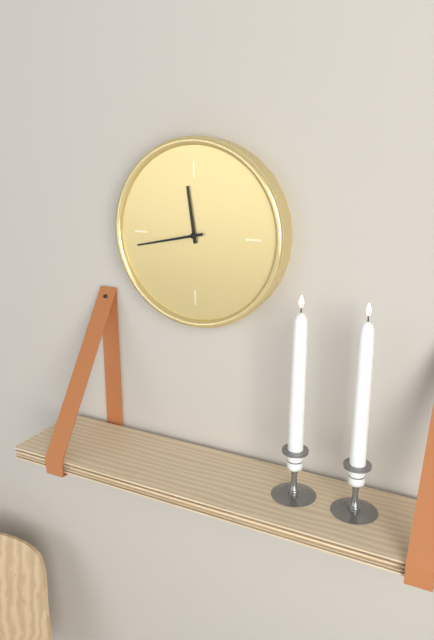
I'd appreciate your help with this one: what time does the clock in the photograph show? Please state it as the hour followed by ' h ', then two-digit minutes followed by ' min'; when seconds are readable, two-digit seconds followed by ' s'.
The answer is 11 h 43 min
